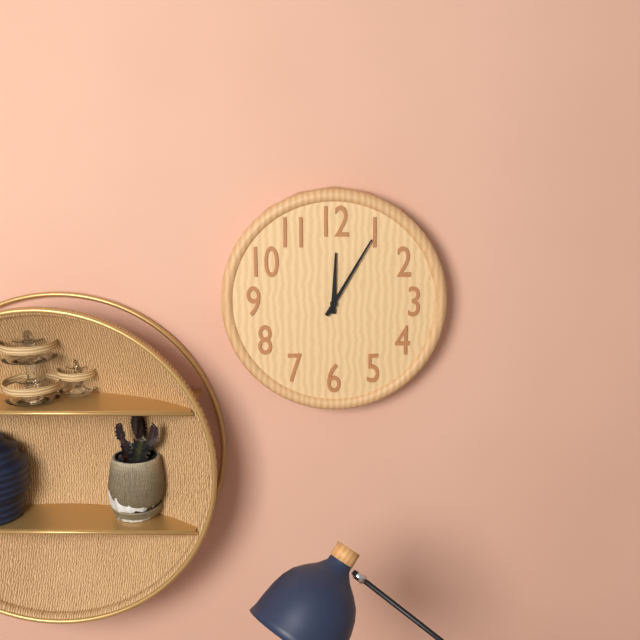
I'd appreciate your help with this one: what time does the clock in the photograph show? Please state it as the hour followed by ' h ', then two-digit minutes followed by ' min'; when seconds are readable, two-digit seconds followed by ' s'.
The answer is 12 h 05 min
